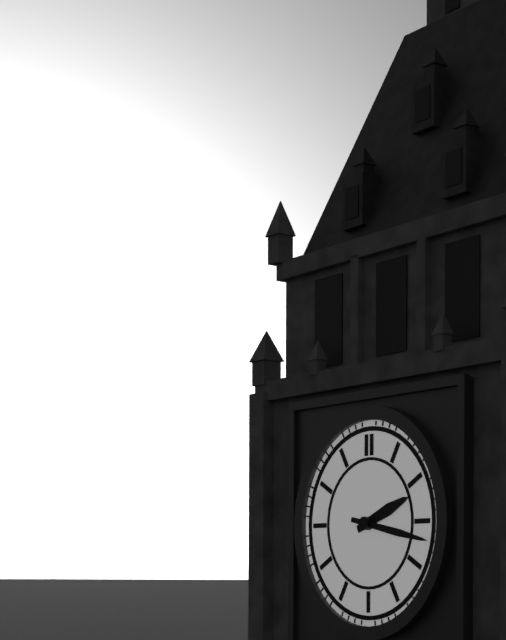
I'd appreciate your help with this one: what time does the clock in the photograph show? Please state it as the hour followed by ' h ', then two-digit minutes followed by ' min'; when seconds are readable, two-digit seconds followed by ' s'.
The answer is 2 h 17 min
